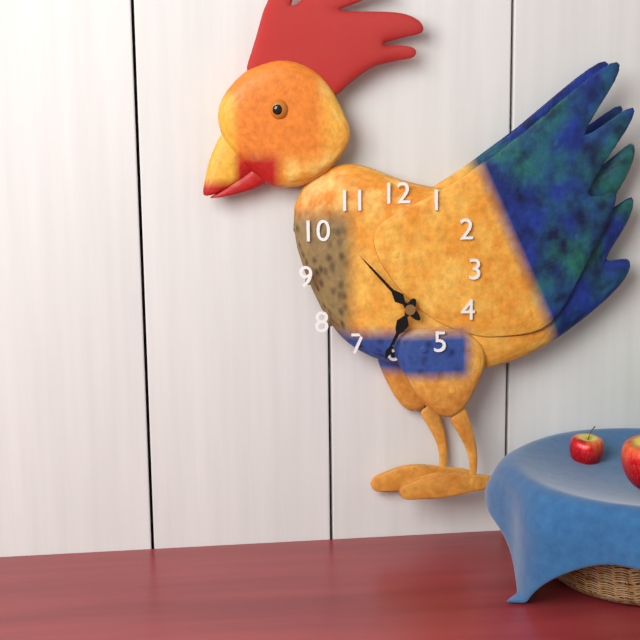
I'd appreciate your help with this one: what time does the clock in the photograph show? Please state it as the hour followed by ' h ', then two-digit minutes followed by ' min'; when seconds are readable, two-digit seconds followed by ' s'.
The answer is 6 h 53 min
